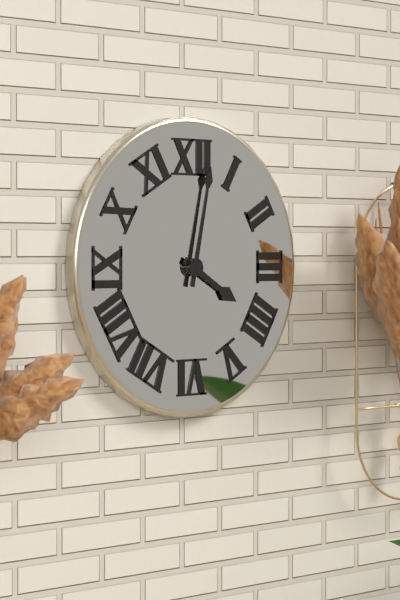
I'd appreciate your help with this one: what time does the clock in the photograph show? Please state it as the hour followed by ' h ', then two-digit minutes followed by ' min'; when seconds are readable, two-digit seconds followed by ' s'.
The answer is 4 h 02 min
